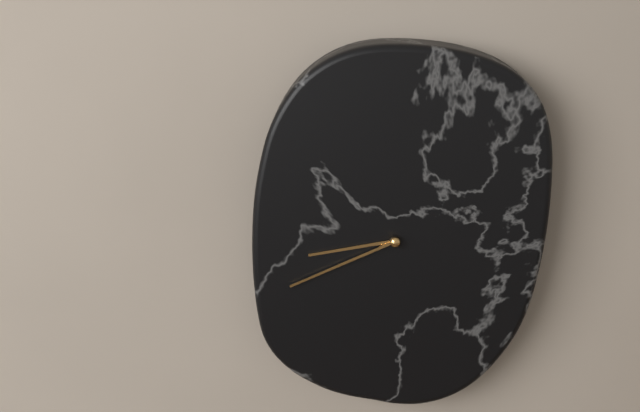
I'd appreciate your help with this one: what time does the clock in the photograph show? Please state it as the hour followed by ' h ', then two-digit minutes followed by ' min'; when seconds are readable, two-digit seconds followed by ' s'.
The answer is 8 h 41 min
